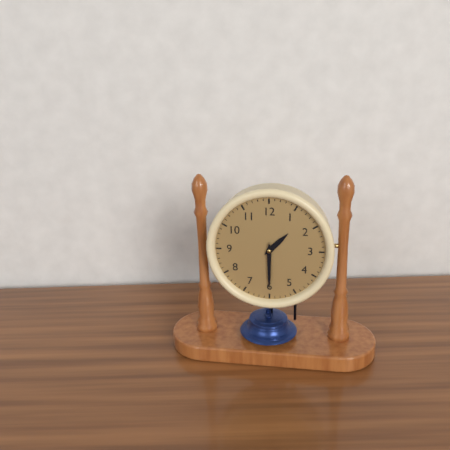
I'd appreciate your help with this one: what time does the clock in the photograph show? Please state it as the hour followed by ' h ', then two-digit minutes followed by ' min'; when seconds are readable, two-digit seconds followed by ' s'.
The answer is 1 h 30 min
